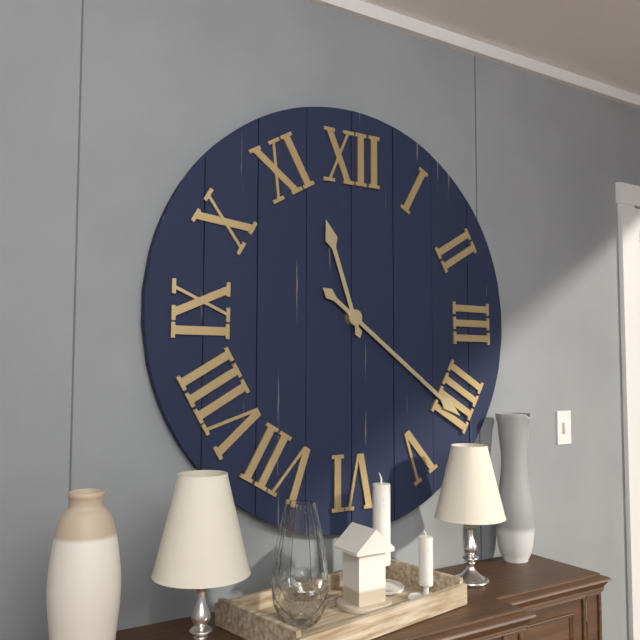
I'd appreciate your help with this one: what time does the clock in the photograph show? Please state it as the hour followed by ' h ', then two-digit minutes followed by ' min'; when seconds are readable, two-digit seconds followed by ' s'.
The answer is 11 h 21 min
